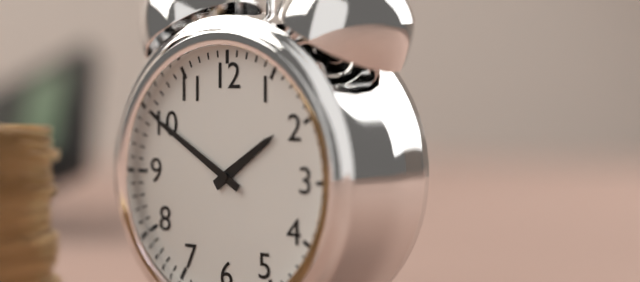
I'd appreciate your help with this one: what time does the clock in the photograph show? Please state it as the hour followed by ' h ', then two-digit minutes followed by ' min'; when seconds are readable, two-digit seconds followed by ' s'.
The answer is 1 h 50 min
